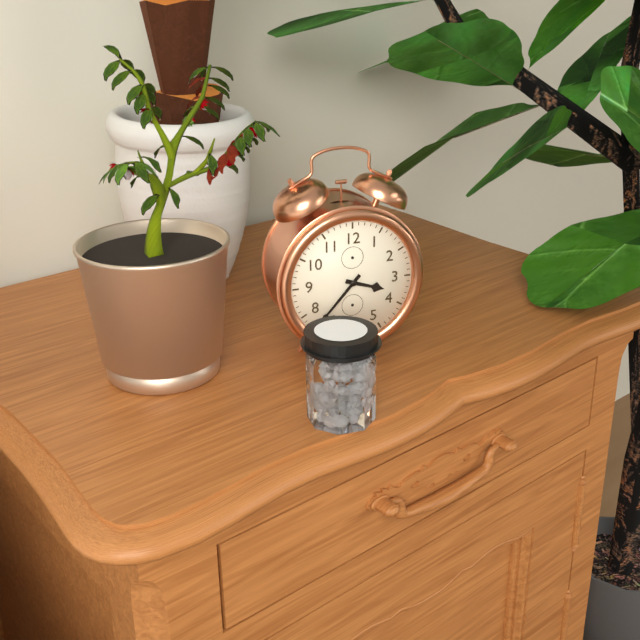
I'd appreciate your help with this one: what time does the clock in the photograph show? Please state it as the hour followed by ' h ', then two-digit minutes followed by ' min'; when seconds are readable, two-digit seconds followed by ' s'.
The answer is 3 h 37 min
